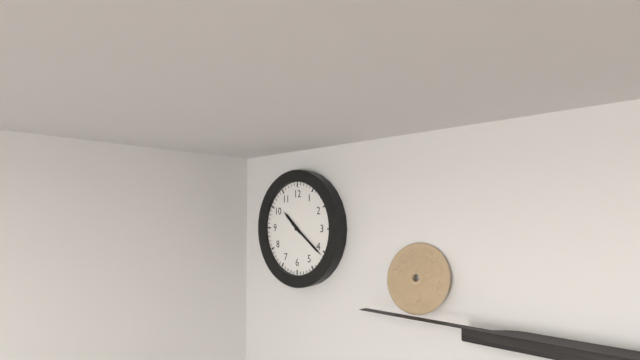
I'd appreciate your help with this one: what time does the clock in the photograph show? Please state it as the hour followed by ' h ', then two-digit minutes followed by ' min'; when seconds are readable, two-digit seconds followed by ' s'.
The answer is 10 h 21 min
